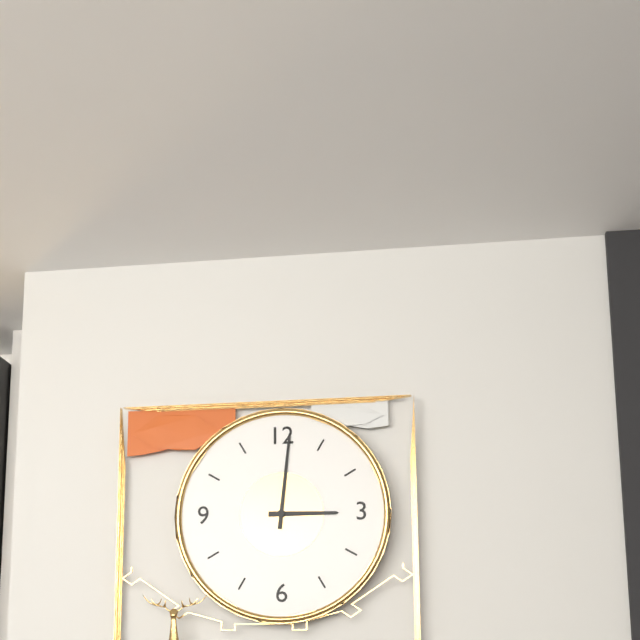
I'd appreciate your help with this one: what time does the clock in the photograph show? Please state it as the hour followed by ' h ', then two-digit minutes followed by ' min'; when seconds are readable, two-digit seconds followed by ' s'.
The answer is 3 h 01 min
